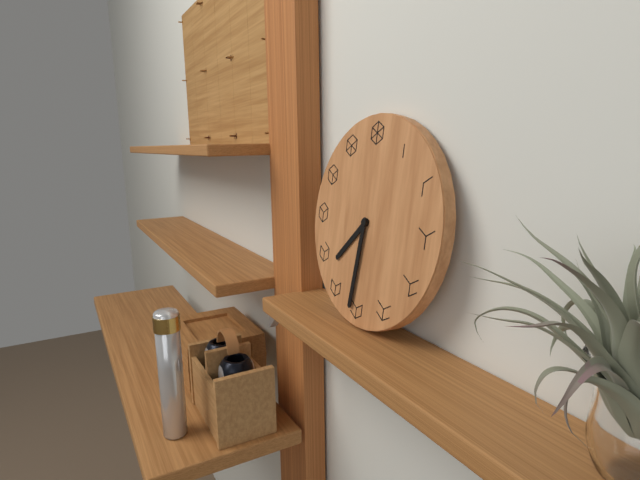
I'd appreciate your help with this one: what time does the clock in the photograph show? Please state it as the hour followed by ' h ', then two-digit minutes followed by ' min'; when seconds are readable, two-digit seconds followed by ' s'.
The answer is 7 h 31 min
